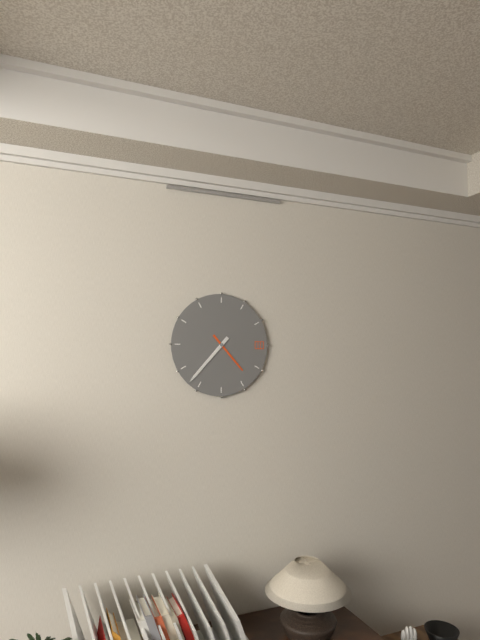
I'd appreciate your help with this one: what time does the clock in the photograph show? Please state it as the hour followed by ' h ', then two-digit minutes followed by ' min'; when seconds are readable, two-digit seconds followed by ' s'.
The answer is 4 h 37 min
